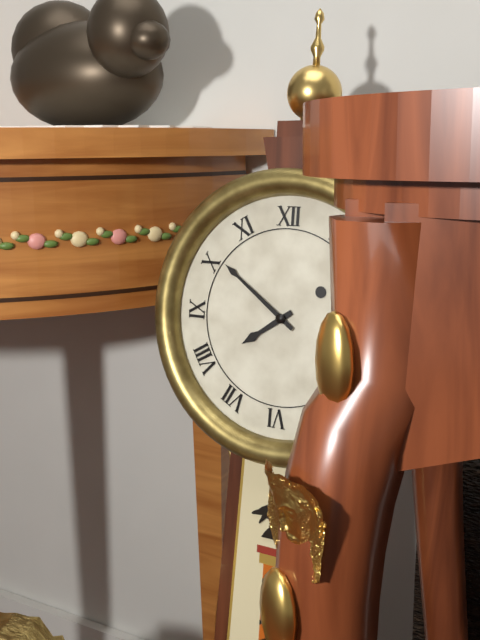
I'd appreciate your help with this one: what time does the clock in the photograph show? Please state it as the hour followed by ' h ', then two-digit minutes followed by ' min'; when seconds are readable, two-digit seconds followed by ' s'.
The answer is 7 h 51 min
